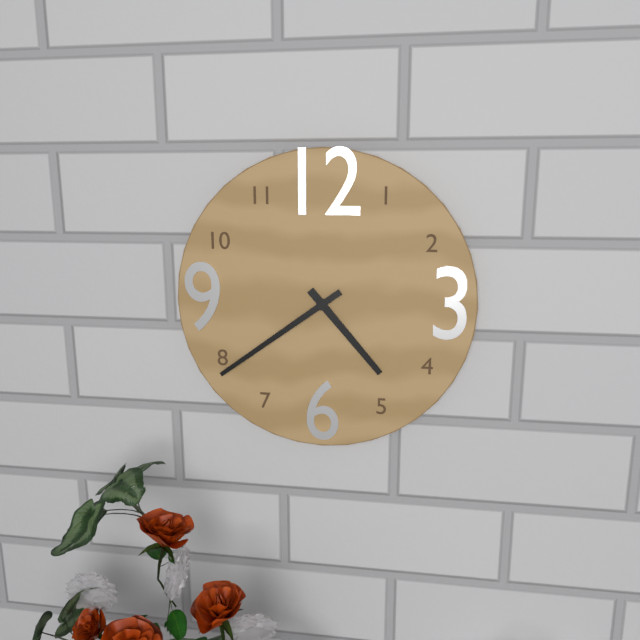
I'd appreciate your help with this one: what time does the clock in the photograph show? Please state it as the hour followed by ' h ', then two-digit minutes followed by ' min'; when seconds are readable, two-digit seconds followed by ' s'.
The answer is 4 h 39 min
